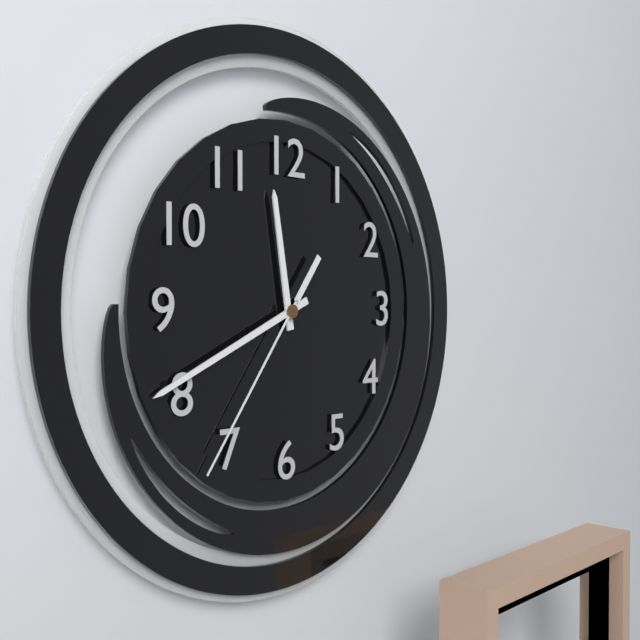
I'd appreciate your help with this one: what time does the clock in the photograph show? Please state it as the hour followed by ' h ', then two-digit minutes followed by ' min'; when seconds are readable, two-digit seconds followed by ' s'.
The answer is 11 h 41 min 36 s
